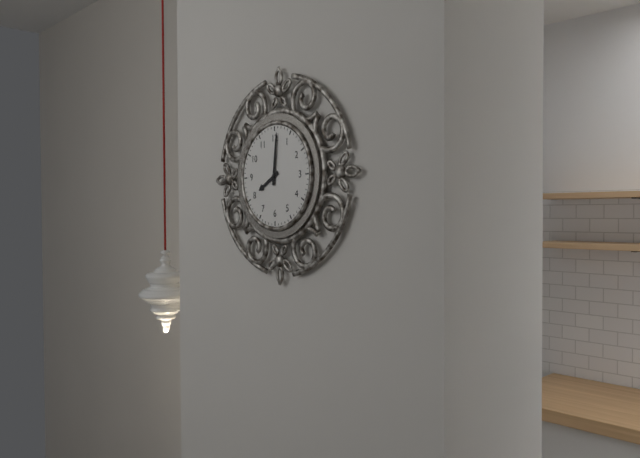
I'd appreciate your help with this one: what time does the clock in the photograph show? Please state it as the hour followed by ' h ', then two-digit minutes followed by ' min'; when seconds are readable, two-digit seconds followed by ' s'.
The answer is 8 h 01 min
